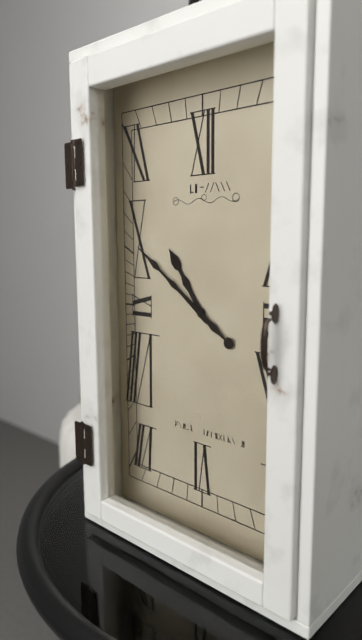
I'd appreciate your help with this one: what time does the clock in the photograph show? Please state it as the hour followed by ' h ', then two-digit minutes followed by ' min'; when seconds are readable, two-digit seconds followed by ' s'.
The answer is 10 h 51 min
